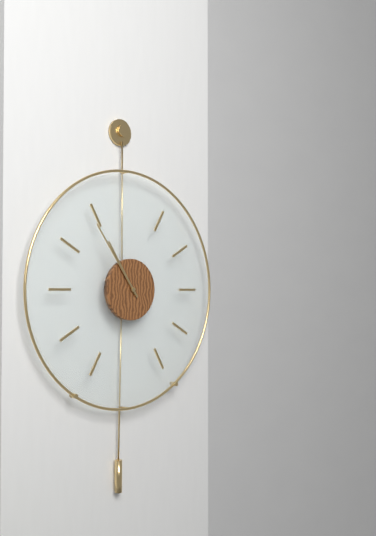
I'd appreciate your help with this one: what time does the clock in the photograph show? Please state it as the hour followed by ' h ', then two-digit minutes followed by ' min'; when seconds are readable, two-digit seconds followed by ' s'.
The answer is 10 h 54 min
